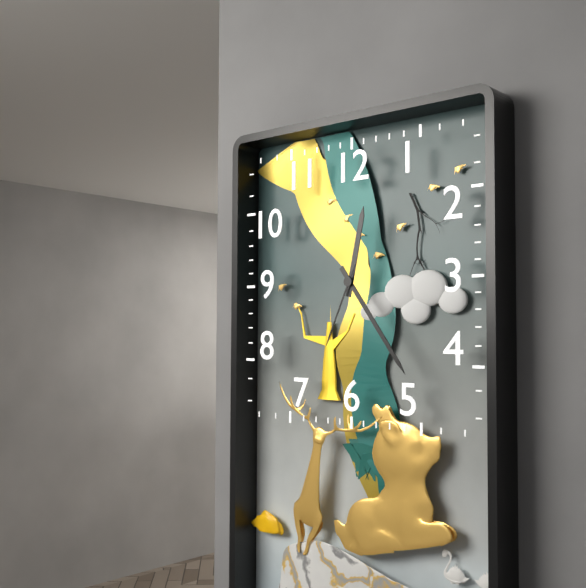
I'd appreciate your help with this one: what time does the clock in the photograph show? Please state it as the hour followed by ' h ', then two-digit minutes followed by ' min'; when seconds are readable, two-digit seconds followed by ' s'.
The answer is 12 h 24 min 34 s
